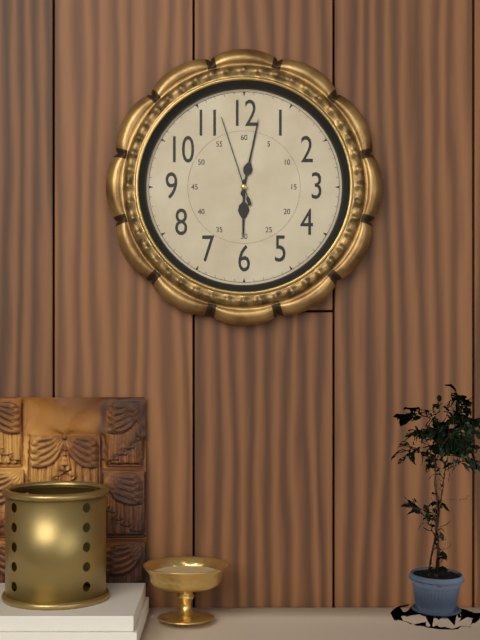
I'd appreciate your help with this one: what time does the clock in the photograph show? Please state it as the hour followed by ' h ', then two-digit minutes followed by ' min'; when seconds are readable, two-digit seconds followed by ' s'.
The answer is 6 h 02 min 57 s
